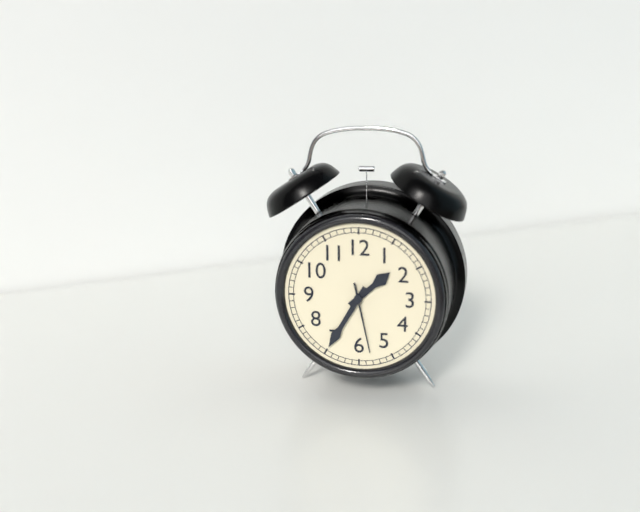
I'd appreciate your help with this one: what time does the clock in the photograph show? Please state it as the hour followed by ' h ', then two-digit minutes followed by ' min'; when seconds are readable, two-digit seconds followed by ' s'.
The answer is 1 h 35 min 28 s
